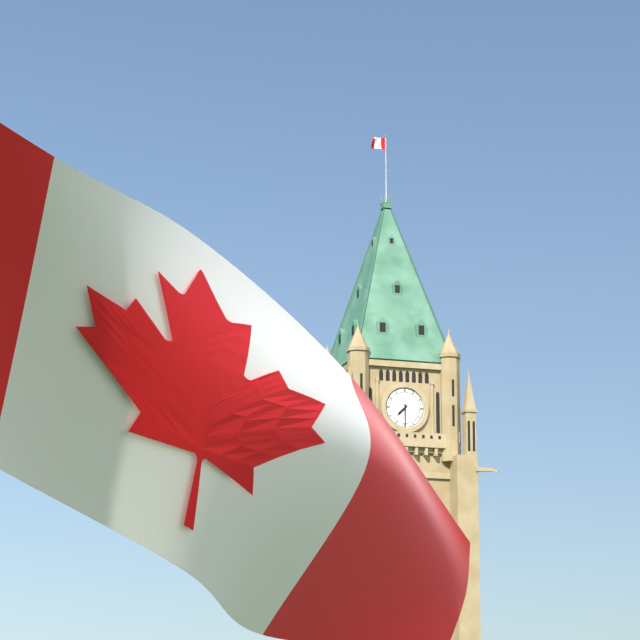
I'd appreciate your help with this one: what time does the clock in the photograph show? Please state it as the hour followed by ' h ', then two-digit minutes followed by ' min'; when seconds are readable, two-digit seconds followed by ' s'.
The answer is 7 h 30 min
